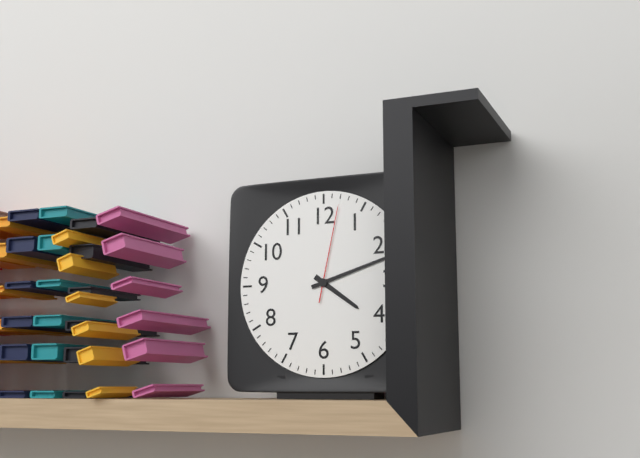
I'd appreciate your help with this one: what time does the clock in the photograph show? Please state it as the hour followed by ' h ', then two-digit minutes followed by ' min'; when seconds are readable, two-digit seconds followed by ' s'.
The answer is 4 h 12 min 02 s
